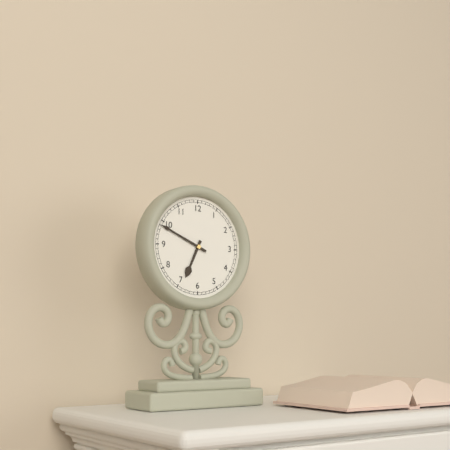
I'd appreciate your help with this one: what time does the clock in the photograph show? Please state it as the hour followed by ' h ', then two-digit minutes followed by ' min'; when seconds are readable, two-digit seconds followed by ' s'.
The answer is 6 h 49 min
